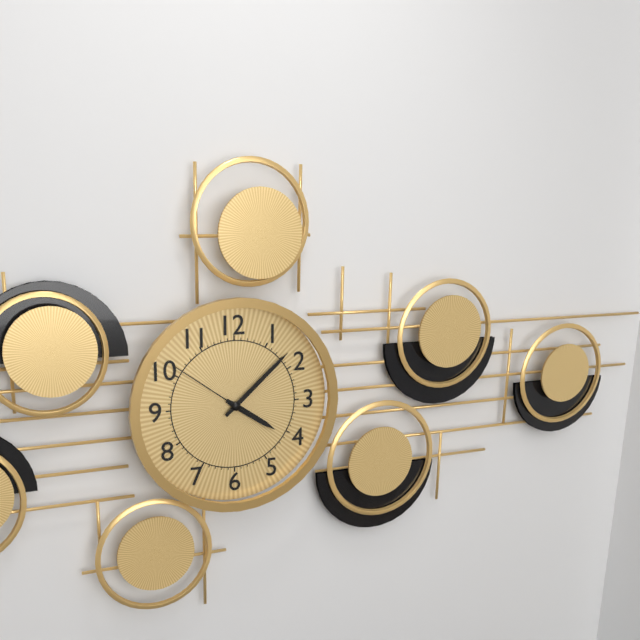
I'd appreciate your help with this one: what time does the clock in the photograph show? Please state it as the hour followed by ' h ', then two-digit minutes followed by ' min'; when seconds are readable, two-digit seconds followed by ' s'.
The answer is 4 h 08 min 51 s
